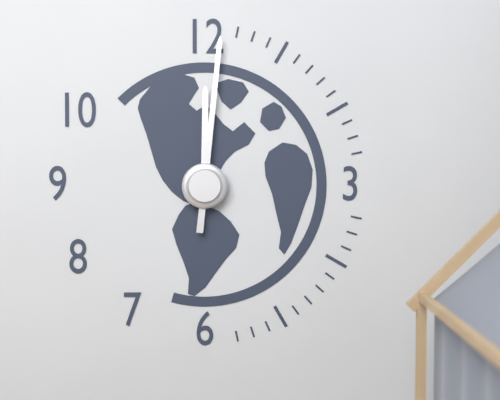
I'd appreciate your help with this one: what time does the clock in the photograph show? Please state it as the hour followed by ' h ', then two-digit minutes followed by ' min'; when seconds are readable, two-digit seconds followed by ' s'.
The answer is 12 h 01 min
